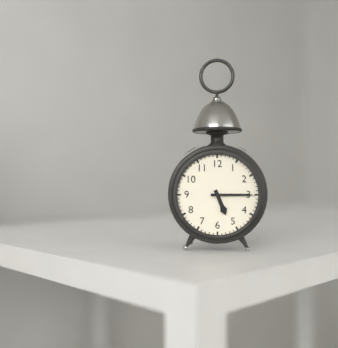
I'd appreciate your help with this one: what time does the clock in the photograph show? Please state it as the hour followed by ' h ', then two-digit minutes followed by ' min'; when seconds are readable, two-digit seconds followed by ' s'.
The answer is 5 h 15 min
